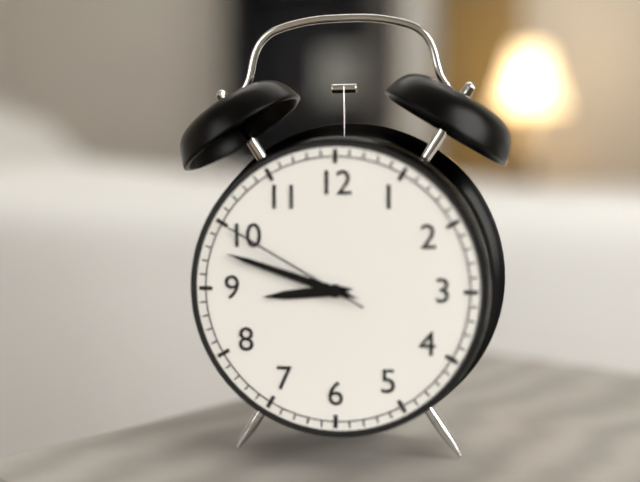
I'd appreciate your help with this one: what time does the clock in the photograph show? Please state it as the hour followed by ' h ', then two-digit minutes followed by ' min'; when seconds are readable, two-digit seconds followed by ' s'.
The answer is 8 h 48 min 50 s
